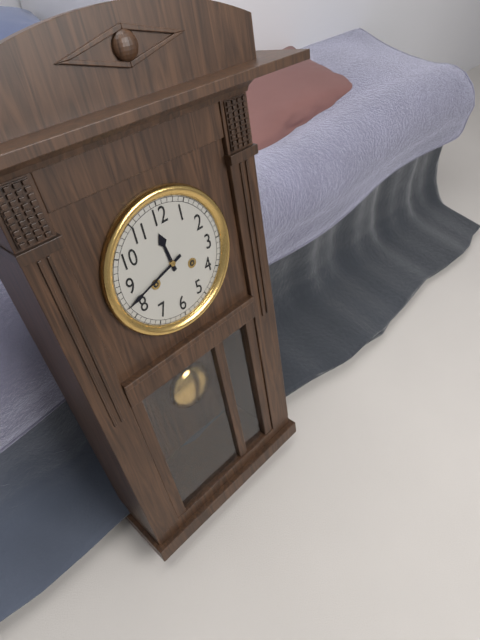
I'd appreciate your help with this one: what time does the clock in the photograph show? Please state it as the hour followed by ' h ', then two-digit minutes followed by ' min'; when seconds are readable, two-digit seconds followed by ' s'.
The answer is 11 h 42 min
